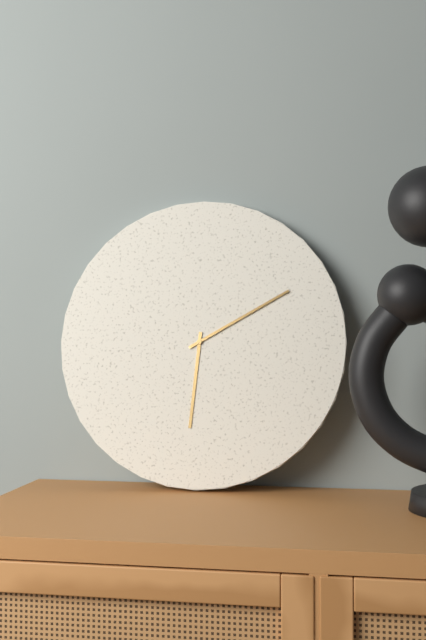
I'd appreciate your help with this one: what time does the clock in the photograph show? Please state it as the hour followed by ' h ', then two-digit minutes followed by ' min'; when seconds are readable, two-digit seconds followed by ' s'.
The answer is 6 h 10 min
